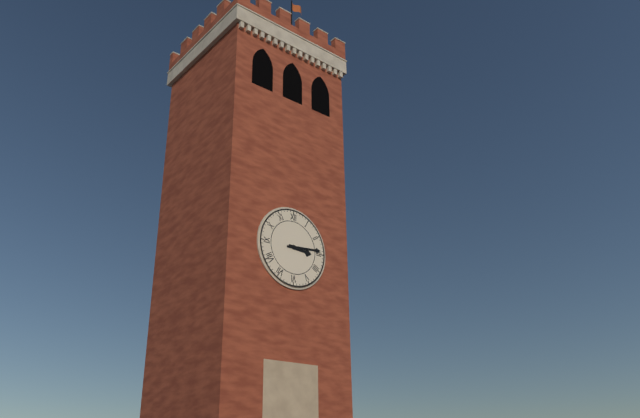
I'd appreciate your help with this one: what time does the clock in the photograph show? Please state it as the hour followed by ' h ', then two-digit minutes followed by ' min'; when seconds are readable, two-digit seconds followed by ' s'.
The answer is 3 h 14 min
